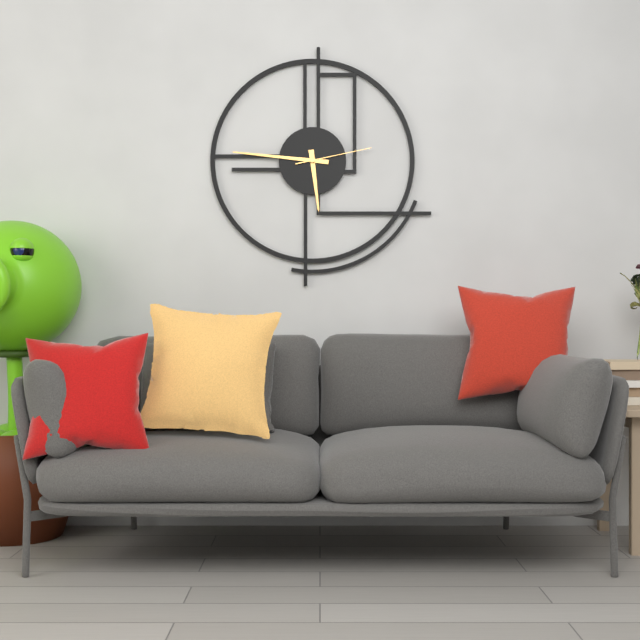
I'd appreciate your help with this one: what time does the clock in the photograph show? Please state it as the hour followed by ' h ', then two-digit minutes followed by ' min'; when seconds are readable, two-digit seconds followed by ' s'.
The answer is 5 h 46 min 13 s
